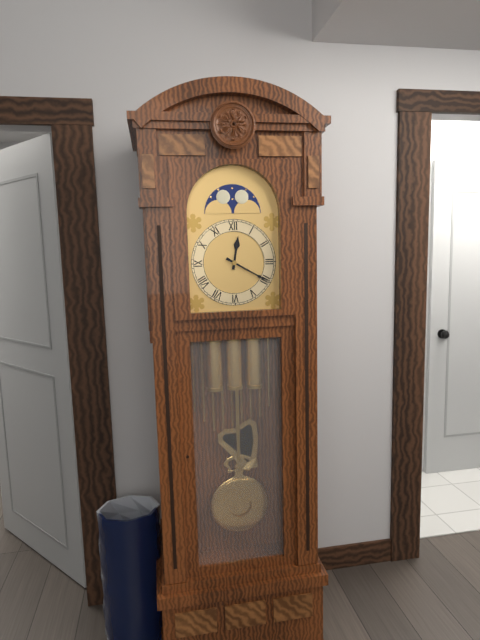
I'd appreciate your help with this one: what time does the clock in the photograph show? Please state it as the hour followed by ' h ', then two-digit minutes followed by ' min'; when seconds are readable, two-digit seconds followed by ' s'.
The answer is 12 h 20 min
